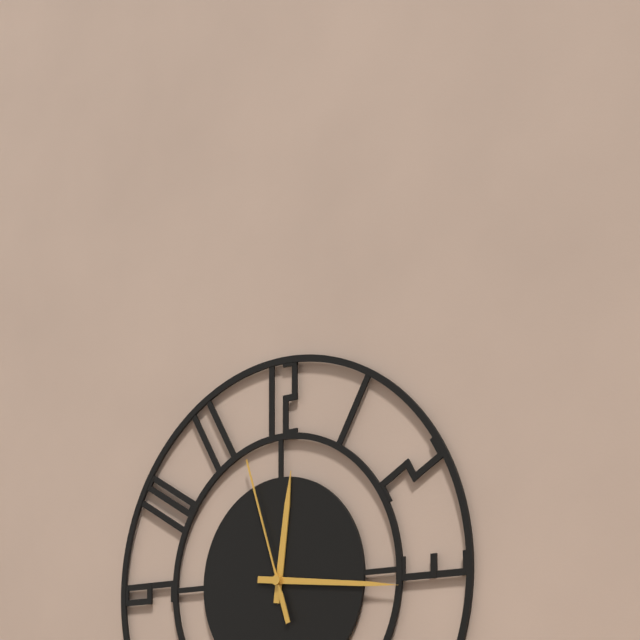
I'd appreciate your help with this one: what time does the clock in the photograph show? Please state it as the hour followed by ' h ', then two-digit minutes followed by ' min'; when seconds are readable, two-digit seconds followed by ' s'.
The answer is 12 h 16 min 57 s
